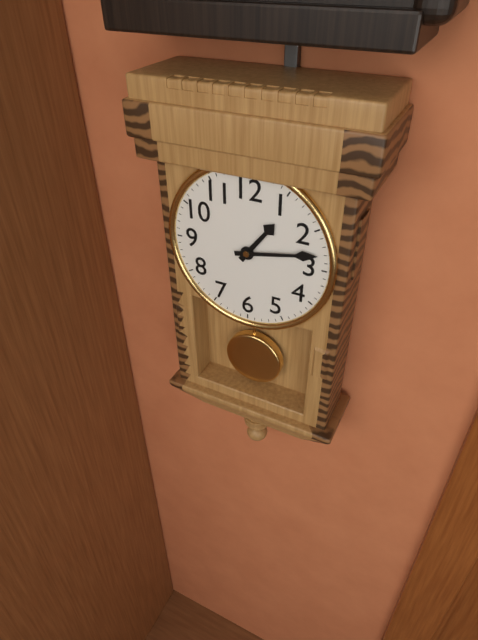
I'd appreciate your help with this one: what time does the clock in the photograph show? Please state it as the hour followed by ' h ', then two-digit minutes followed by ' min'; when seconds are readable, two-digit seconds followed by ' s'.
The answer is 1 h 13 min
